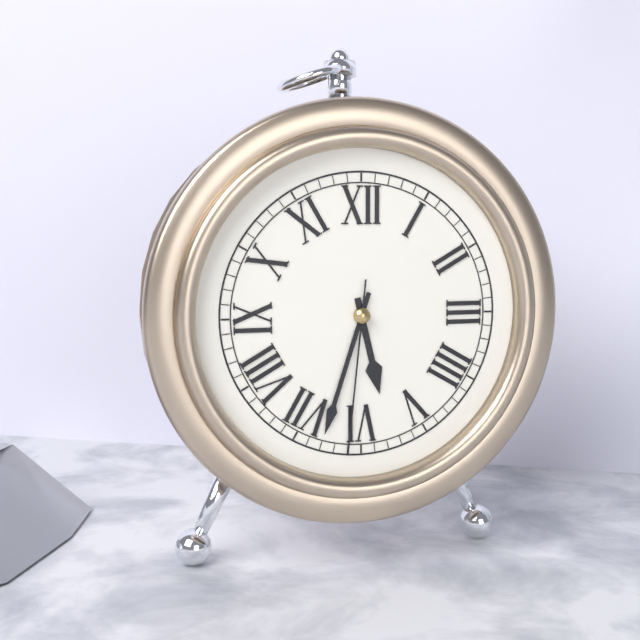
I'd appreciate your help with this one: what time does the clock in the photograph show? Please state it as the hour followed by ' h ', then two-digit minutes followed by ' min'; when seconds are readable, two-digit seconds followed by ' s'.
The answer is 5 h 33 min 31 s
